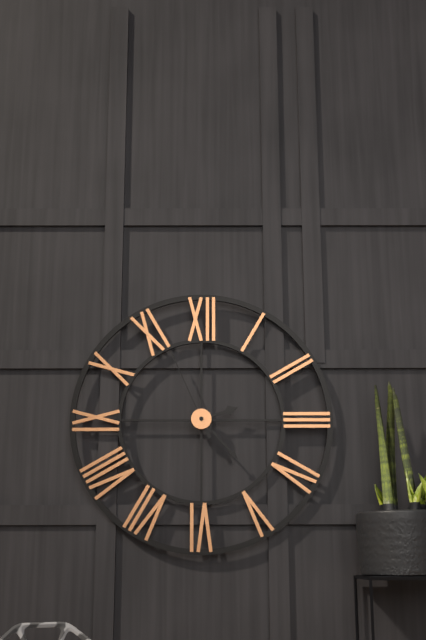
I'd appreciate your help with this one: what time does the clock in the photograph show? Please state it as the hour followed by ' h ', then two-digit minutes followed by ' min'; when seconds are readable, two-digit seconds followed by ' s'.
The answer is 2 h 23 min 56 s
